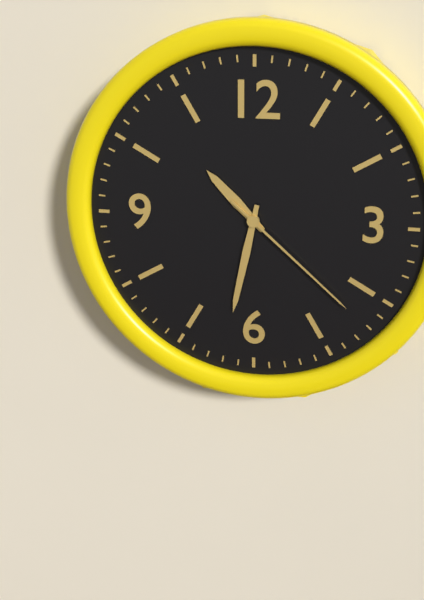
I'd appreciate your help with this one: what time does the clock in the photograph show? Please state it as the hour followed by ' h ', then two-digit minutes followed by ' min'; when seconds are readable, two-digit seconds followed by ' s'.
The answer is 10 h 32 min 22 s
